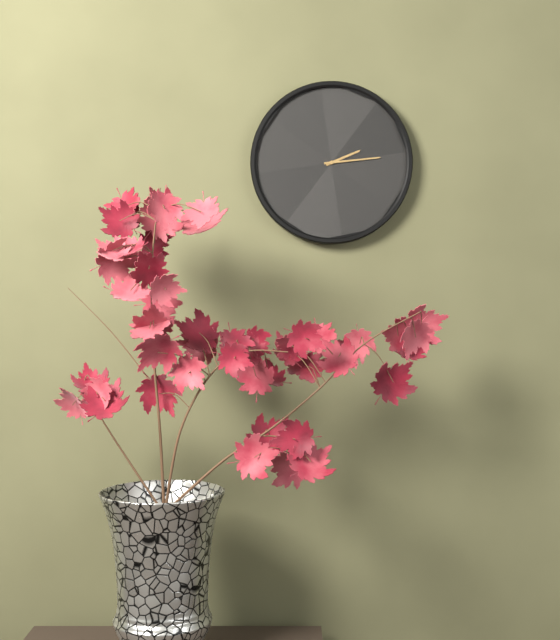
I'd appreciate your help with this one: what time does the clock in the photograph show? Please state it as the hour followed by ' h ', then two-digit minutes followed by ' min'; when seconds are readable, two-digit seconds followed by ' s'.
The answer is 2 h 14 min
